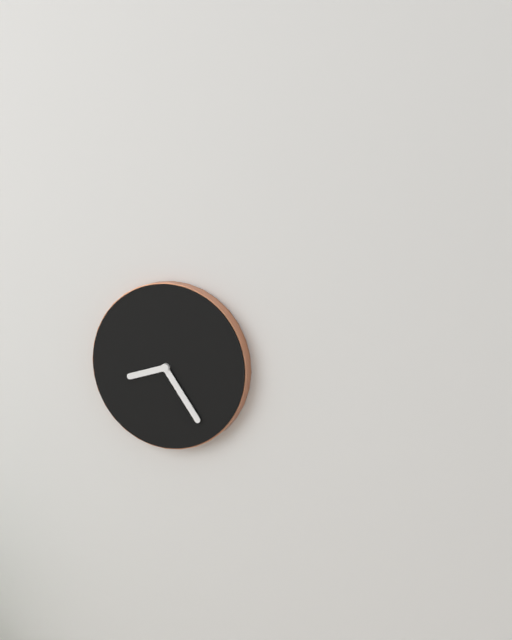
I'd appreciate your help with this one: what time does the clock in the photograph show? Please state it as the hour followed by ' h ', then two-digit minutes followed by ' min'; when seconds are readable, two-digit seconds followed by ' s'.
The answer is 8 h 24 min
